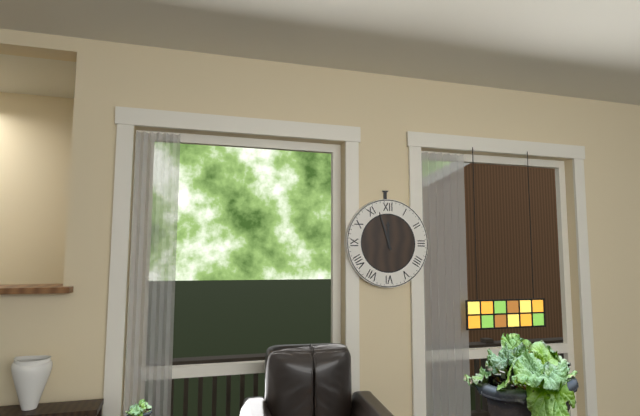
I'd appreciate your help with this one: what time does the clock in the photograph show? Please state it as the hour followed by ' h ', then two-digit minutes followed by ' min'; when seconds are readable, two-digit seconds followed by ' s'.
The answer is 11 h 57 min
